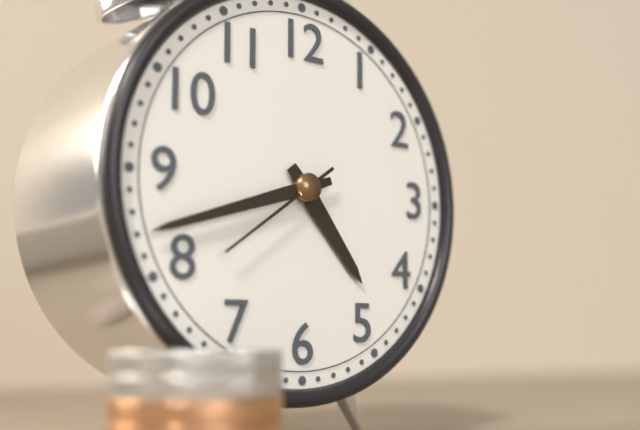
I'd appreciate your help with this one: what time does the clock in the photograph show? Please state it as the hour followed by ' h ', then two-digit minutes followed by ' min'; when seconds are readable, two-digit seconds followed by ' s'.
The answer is 4 h 42 min 39 s
